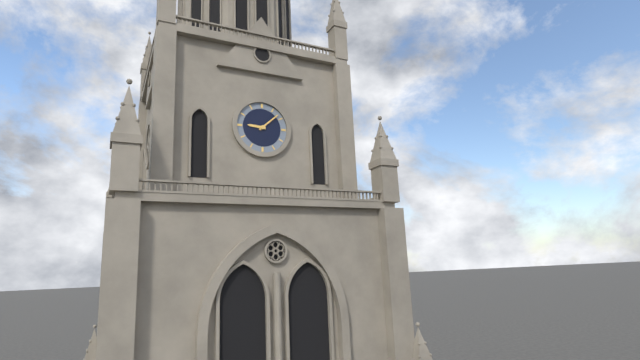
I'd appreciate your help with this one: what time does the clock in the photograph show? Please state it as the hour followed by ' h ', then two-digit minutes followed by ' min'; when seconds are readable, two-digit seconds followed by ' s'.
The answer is 9 h 08 min
